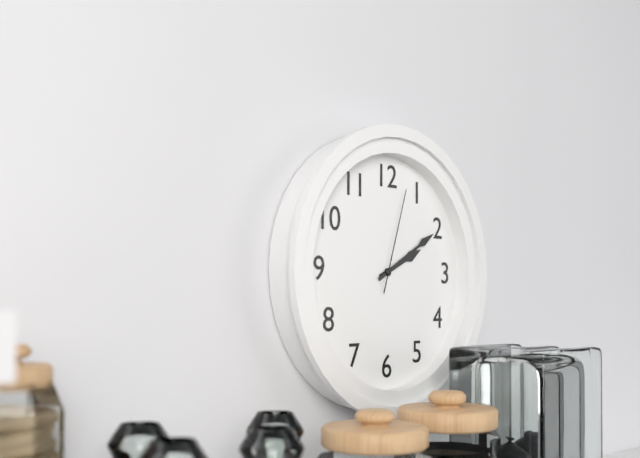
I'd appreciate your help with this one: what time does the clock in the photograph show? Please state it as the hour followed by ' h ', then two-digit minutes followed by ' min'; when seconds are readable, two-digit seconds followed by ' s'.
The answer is 2 h 10 min 03 s
